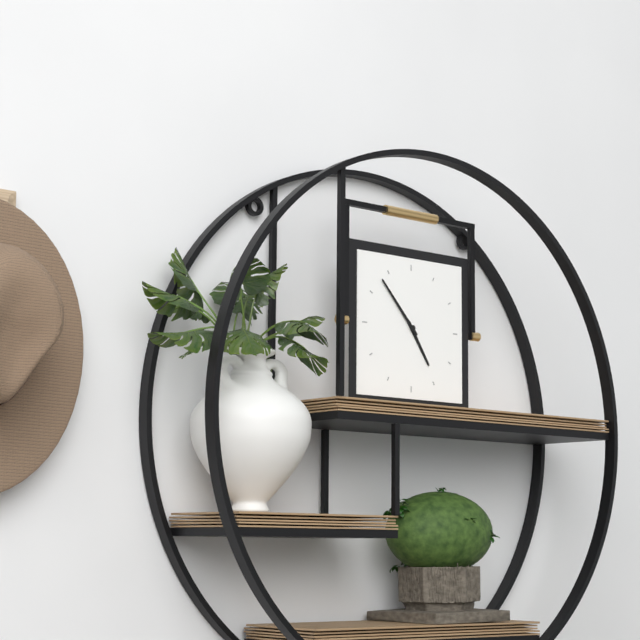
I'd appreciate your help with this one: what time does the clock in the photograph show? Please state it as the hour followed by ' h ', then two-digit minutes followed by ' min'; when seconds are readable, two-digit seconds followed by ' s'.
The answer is 4 h 53 min
